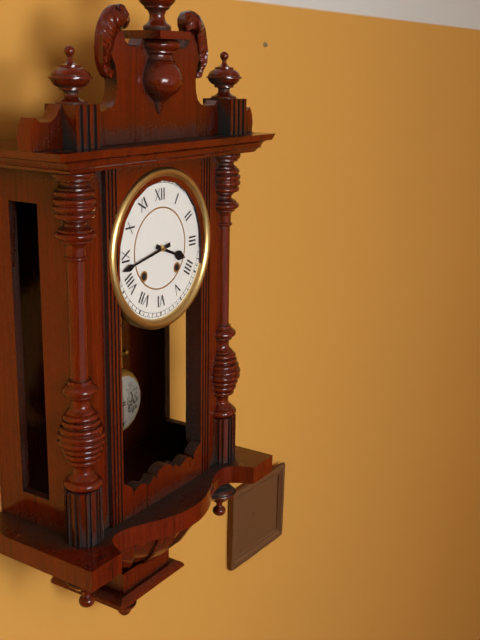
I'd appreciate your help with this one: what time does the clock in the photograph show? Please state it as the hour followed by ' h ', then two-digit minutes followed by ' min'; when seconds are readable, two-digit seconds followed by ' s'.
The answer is 3 h 43 min
